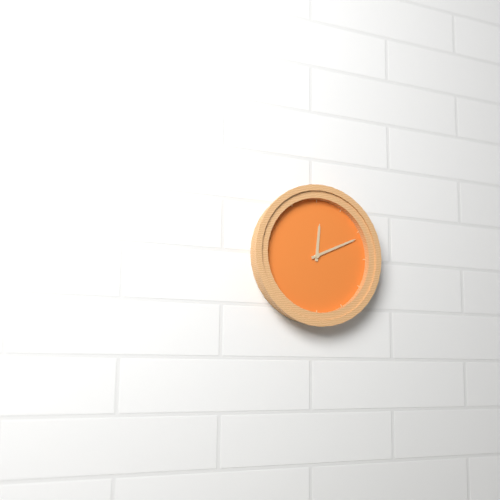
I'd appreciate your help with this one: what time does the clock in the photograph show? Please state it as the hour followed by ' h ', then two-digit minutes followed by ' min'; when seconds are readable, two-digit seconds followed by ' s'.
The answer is 12 h 11 min
